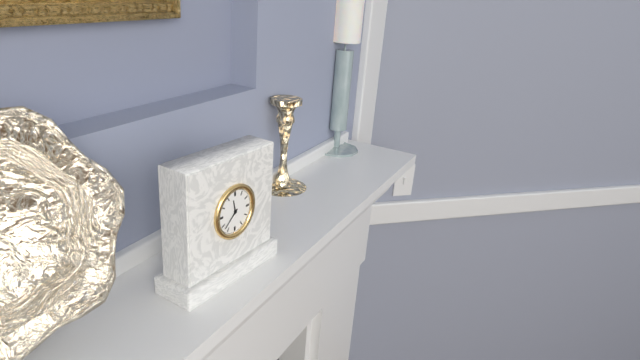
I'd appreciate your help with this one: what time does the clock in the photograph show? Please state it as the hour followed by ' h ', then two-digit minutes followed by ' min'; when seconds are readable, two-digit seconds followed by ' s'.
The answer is 11 h 38 min
